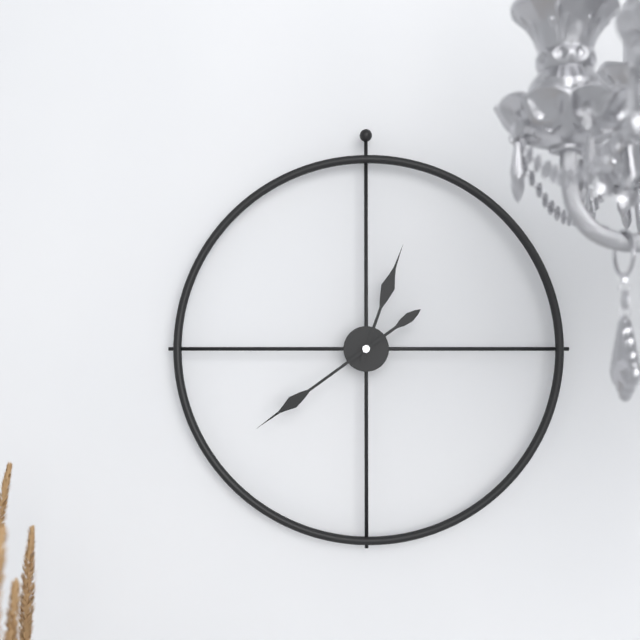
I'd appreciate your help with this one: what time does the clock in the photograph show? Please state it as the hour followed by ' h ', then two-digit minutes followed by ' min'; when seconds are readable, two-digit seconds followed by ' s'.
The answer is 12 h 39 min
